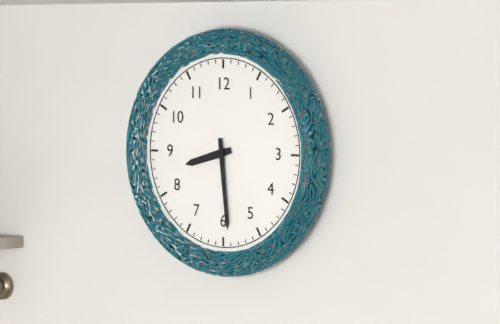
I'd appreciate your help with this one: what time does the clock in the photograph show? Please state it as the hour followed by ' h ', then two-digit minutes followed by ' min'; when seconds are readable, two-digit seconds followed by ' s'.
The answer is 8 h 29 min
